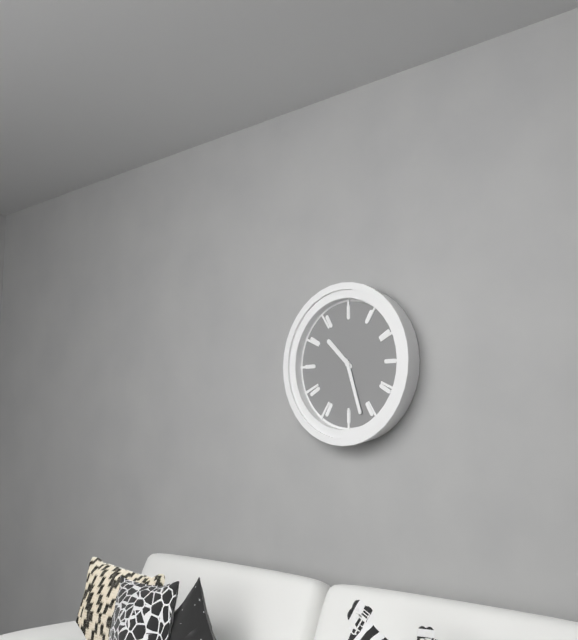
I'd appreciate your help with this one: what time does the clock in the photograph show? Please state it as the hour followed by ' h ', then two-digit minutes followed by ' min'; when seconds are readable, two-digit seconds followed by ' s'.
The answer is 10 h 27 min
